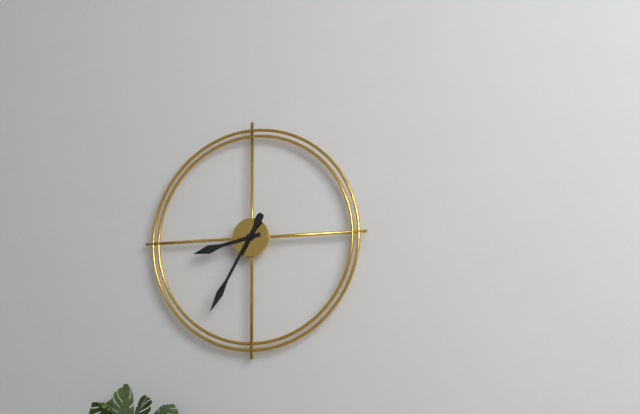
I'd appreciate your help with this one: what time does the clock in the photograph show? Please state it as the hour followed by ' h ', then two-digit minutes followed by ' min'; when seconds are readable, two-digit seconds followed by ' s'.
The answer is 8 h 35 min
